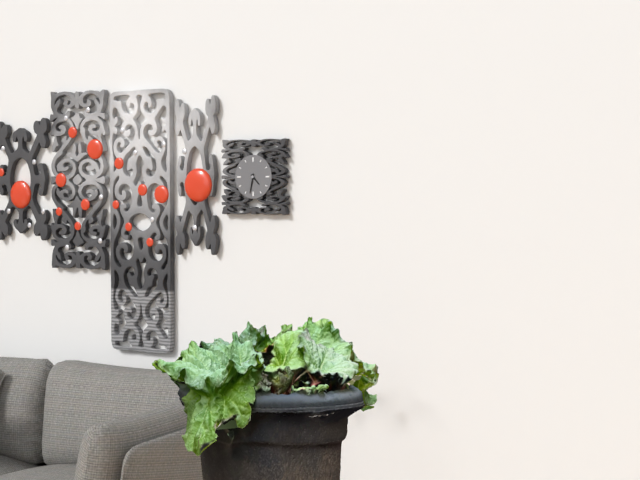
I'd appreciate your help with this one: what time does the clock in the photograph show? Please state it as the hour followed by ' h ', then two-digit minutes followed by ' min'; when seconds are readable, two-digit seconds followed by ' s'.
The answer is 4 h 32 min
